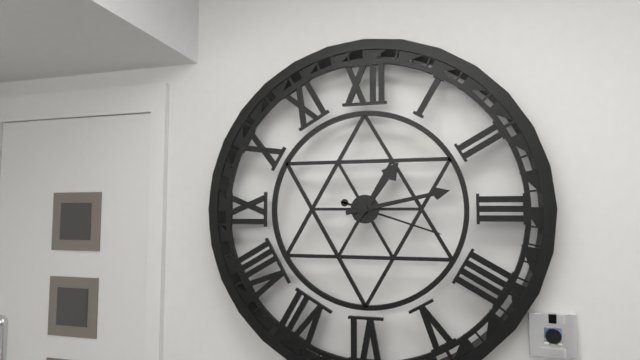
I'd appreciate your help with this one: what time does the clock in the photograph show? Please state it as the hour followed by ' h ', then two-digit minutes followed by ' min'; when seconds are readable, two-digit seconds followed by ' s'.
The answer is 1 h 13 min 18 s
